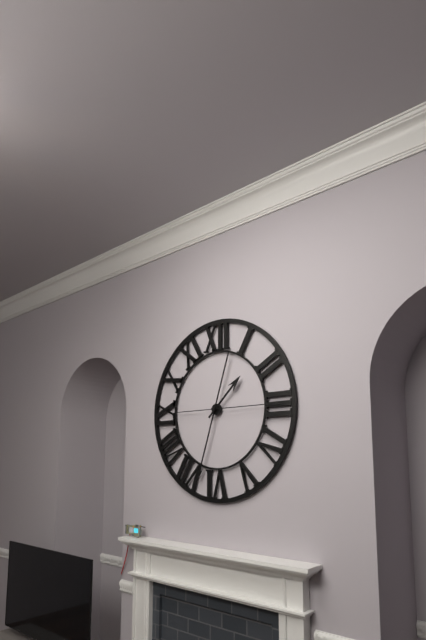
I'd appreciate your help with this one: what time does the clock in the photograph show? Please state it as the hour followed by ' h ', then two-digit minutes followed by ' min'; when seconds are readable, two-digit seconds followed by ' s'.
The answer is 1 h 33 min 15 s
